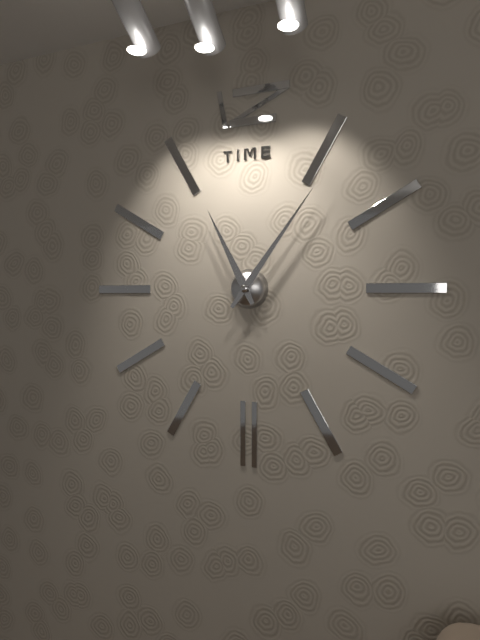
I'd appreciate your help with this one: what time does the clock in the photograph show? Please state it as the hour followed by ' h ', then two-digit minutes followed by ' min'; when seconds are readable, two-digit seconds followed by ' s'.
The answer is 11 h 06 min
